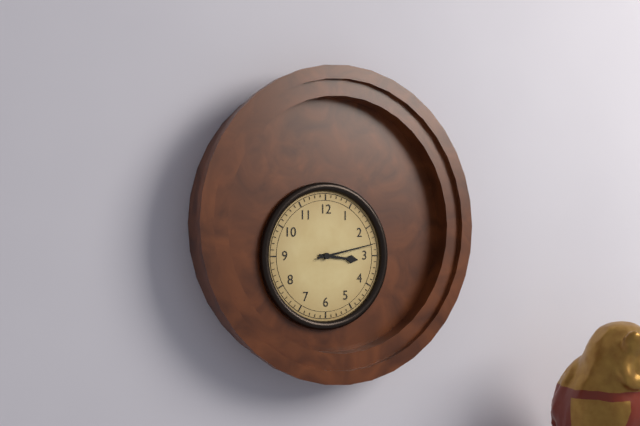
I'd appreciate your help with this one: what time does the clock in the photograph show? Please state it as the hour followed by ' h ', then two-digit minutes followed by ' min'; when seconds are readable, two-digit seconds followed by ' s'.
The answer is 3 h 13 min
